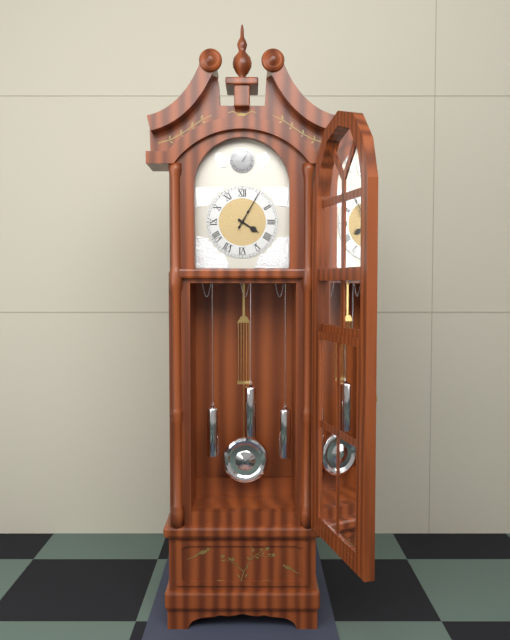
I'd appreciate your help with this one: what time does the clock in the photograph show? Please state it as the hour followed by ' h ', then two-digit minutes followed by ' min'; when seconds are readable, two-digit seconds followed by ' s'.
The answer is 4 h 05 min
